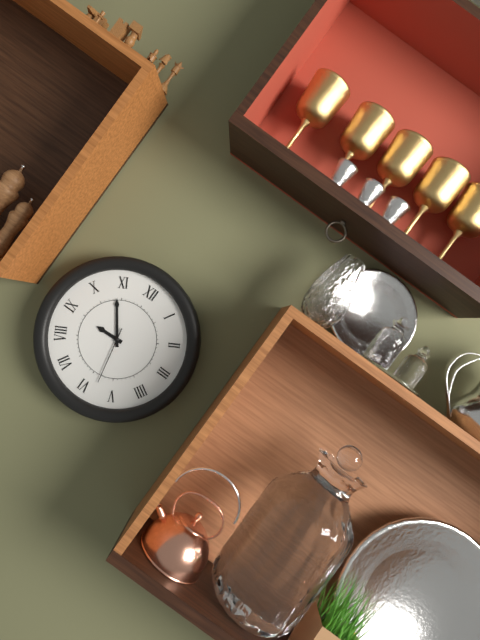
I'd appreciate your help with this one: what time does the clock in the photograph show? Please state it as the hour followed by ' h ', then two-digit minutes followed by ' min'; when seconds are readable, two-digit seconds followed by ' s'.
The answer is 8 h 54 min 28 s
